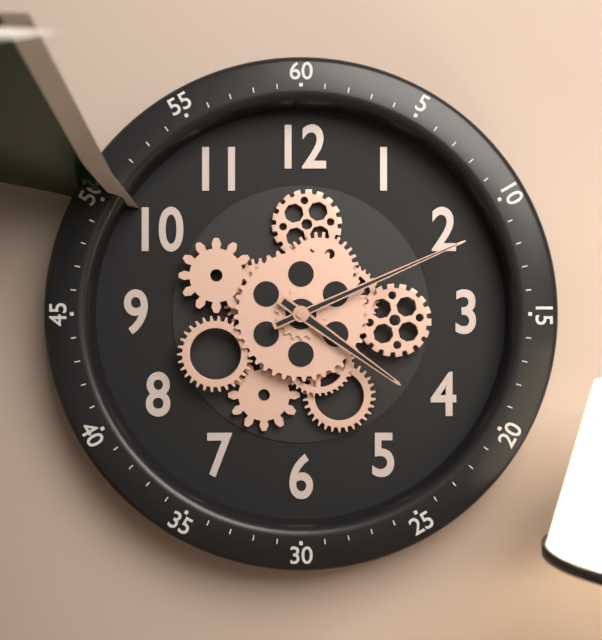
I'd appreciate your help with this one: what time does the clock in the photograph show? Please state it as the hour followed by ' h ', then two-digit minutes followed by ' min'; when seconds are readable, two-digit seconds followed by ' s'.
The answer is 4 h 11 min
